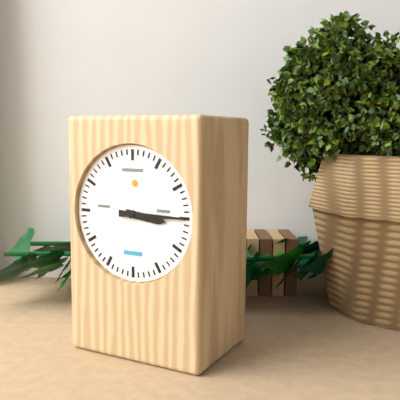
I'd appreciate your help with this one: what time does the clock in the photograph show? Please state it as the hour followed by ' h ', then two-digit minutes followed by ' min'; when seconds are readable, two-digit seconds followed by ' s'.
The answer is 3 h 15 min
